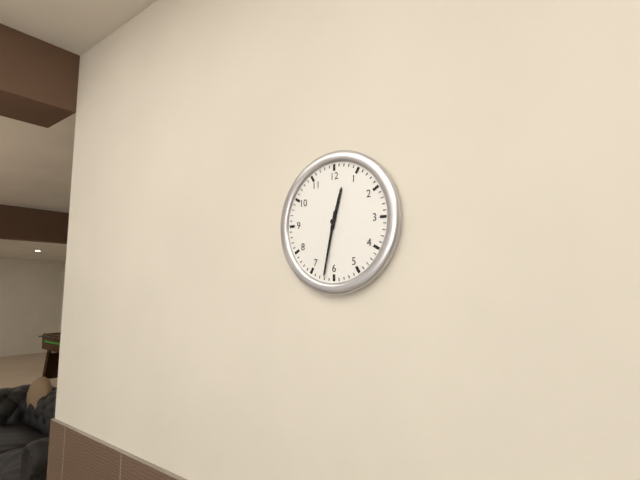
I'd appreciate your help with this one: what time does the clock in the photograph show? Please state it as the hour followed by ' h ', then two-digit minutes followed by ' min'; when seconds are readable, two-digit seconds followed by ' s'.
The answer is 12 h 32 min
